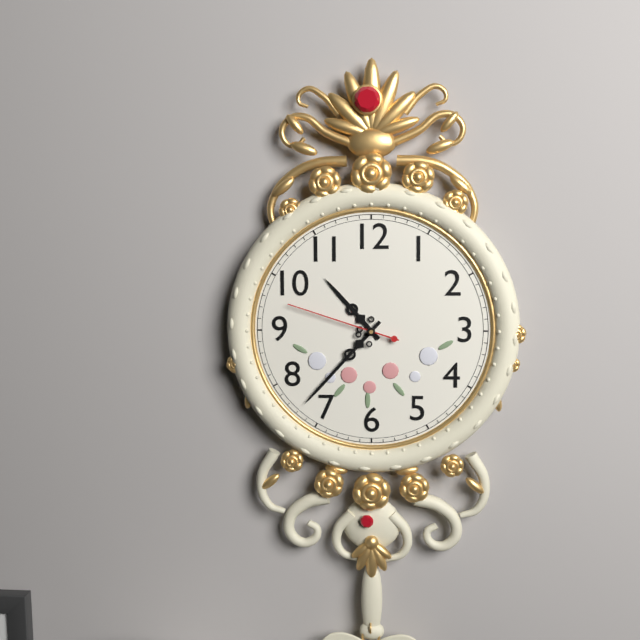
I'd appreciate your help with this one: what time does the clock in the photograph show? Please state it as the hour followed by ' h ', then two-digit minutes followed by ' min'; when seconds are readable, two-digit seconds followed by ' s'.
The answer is 10 h 37 min 48 s
